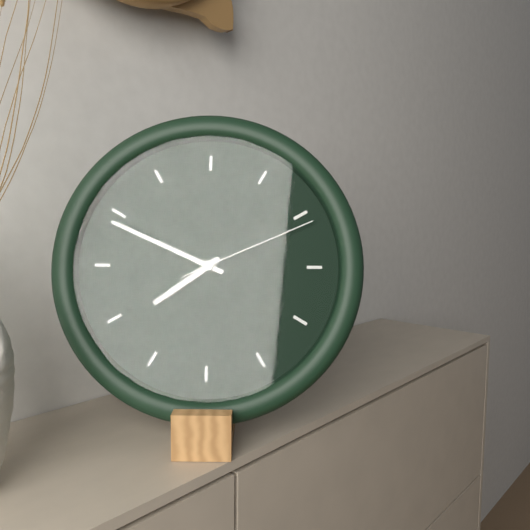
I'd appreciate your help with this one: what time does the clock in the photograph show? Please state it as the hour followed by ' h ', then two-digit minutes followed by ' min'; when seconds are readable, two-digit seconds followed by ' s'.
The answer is 7 h 49 min 11 s
